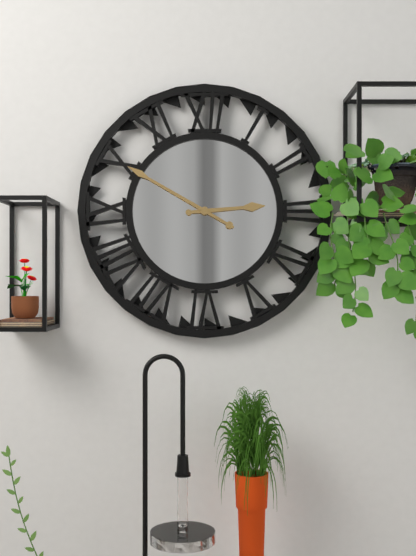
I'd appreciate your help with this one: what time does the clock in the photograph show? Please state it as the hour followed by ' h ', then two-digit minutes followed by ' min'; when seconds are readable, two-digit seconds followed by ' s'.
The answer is 2 h 50 min
